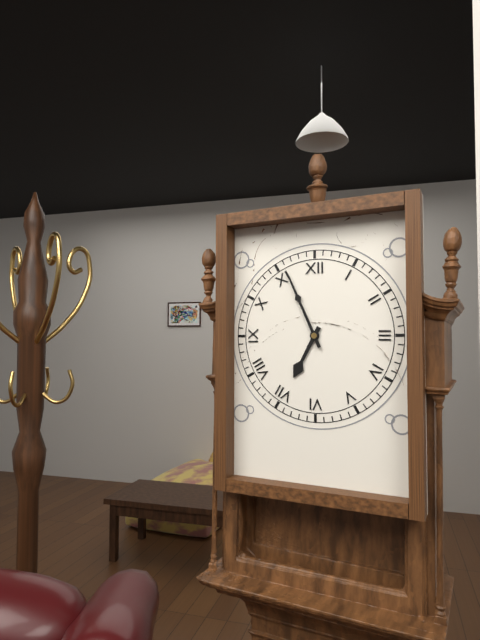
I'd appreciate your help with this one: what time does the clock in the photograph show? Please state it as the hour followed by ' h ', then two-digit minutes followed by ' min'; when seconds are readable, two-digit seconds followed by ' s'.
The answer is 6 h 56 min
